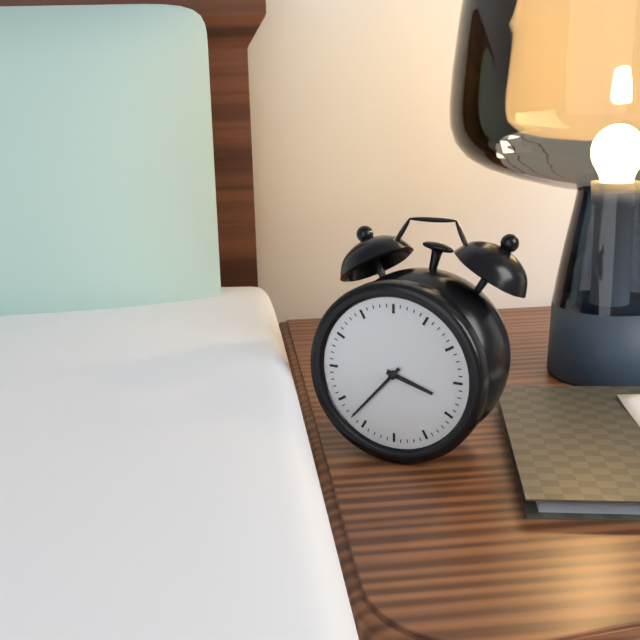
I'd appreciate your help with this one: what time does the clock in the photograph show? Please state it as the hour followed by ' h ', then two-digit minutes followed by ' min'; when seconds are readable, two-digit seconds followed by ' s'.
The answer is 3 h 37 min
